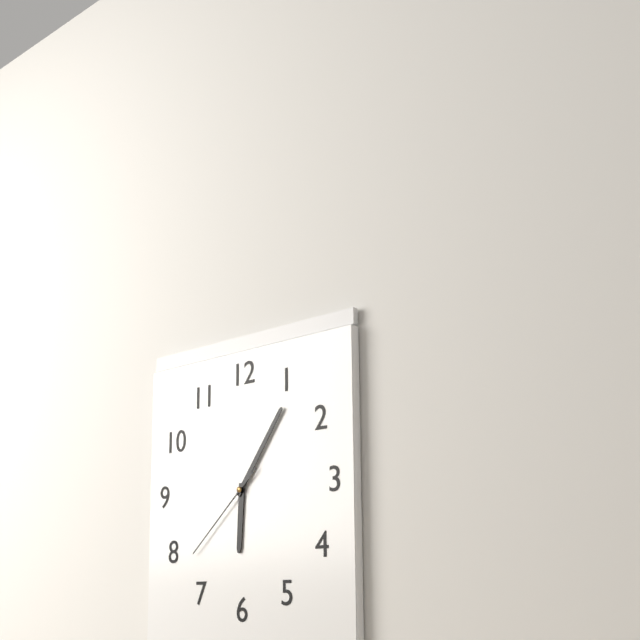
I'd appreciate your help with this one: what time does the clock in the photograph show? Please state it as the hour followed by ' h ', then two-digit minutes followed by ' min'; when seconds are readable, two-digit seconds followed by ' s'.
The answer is 6 h 06 min 38 s
